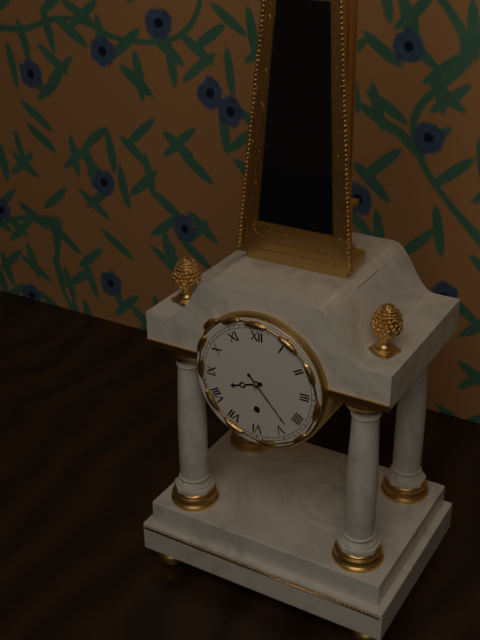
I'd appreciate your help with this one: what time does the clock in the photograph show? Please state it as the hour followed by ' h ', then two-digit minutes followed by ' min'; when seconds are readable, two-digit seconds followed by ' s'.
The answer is 8 h 23 min
